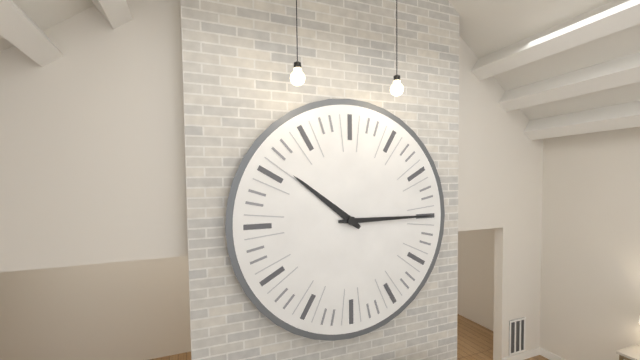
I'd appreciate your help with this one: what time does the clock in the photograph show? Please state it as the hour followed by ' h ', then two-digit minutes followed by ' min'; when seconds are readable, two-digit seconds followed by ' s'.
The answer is 10 h 15 min
